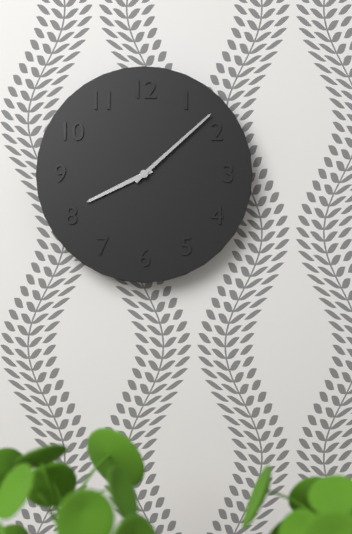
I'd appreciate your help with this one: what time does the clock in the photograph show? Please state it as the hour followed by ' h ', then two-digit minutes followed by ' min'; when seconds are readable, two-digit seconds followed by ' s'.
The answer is 8 h 08 min
